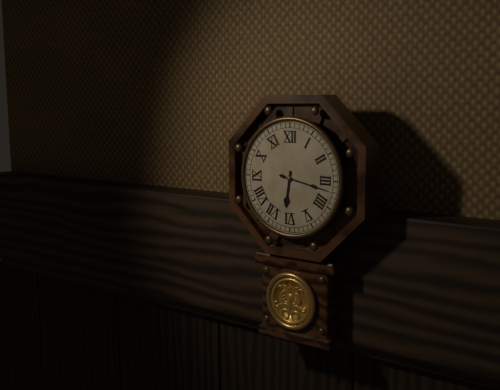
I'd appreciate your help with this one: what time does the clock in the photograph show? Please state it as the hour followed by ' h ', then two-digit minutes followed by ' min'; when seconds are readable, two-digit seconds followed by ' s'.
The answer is 6 h 17 min
